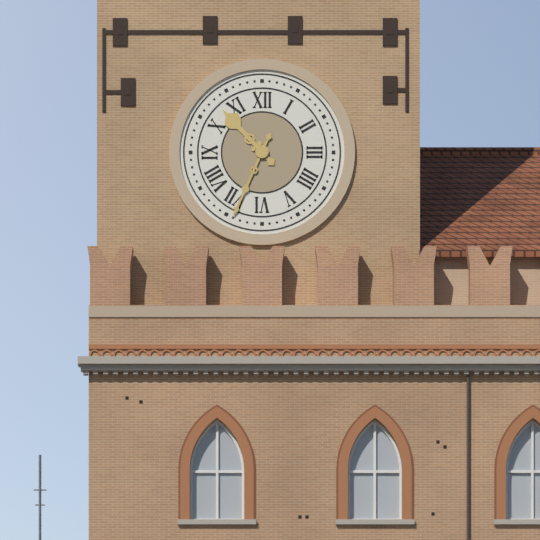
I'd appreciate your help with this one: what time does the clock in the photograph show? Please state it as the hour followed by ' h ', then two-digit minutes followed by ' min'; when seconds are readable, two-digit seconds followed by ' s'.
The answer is 10 h 34 min
